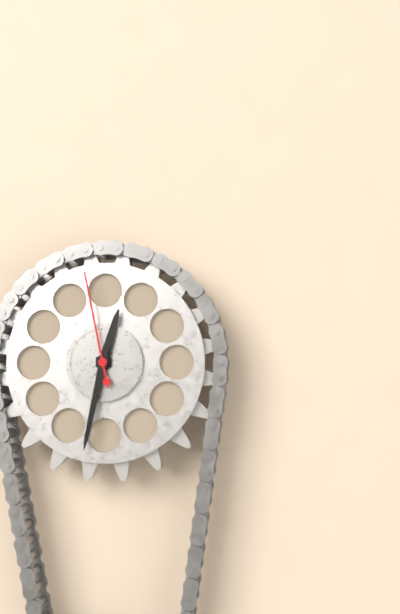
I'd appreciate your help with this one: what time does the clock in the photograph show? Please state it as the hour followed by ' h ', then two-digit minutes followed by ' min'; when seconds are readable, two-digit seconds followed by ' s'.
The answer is 12 h 32 min 58 s
